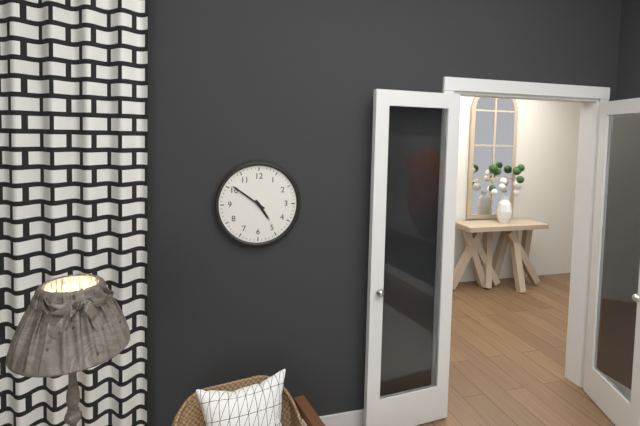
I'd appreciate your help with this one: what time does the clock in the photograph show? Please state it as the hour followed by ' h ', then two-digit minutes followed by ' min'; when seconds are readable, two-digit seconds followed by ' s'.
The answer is 4 h 51 min
